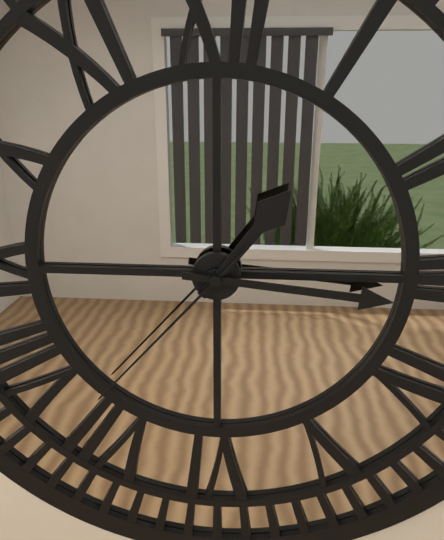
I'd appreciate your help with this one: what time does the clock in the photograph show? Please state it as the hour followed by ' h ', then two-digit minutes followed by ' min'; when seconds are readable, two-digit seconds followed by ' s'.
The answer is 1 h 16 min 37 s
